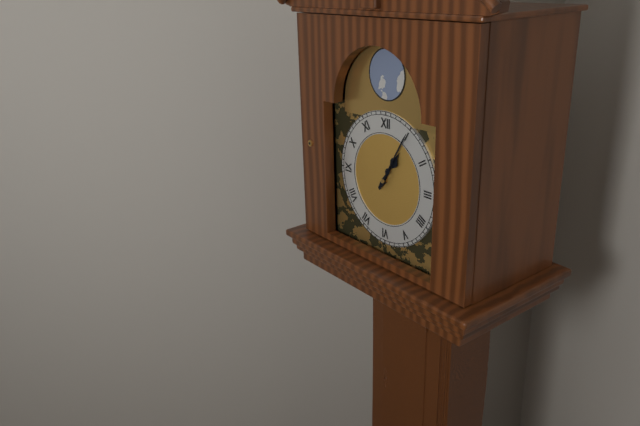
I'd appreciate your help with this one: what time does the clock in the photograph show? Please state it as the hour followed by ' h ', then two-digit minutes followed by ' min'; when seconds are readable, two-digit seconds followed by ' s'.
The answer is 1 h 05 min
